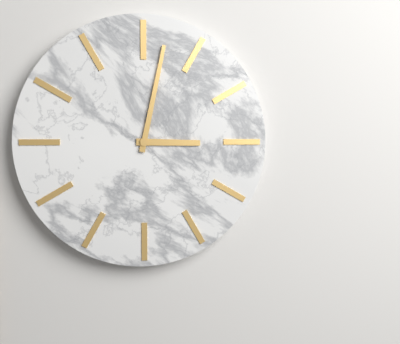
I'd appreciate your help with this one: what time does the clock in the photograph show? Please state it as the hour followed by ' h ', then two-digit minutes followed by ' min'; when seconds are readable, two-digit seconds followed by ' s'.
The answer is 3 h 02 min
